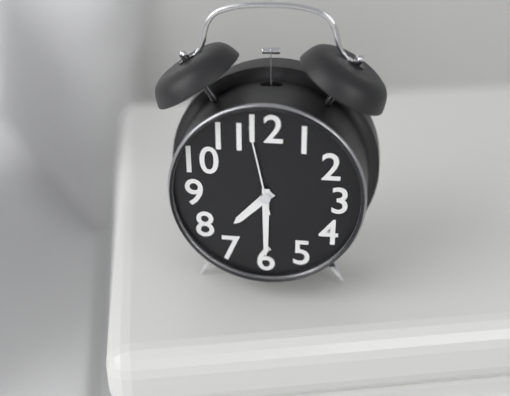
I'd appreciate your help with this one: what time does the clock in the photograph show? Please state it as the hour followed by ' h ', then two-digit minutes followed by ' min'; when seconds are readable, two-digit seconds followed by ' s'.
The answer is 7 h 30 min 58 s
